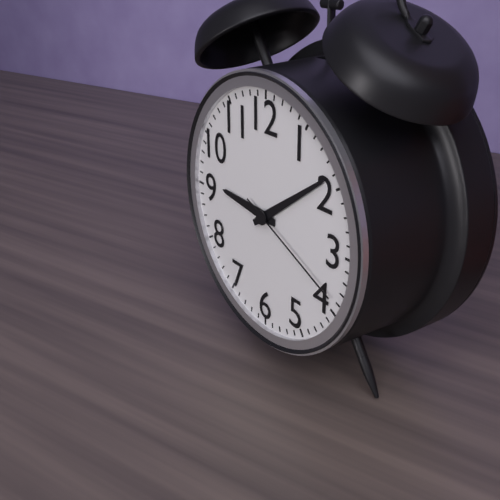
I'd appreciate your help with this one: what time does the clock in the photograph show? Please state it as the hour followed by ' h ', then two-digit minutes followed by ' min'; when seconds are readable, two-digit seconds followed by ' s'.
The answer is 9 h 09 min 19 s
